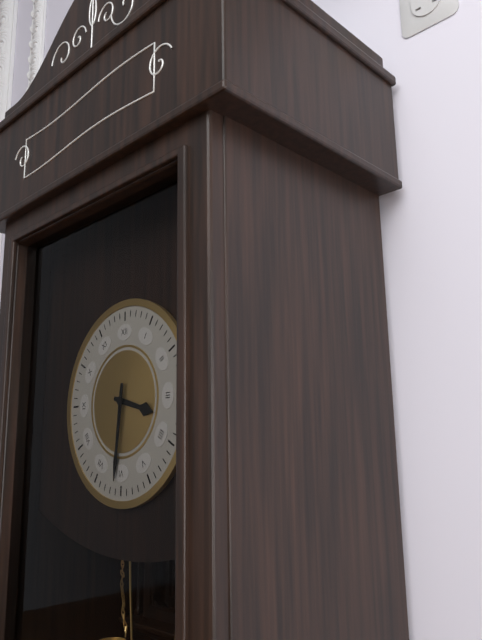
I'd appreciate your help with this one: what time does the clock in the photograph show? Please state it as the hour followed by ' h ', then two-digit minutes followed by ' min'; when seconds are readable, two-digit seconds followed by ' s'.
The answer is 3 h 31 min
